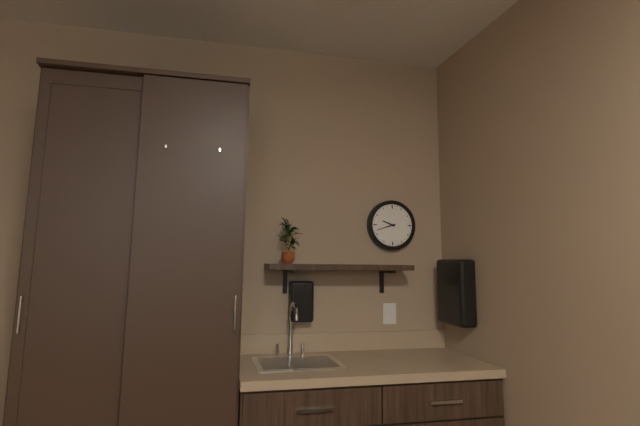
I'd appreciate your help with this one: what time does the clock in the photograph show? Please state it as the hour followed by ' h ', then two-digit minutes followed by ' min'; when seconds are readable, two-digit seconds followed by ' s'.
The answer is 9 h 42 min
